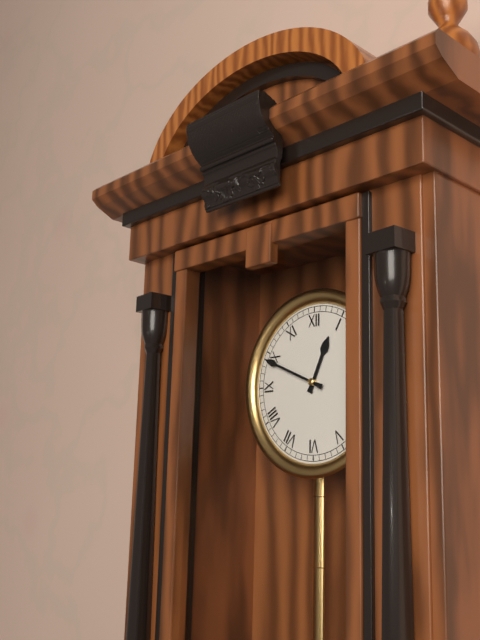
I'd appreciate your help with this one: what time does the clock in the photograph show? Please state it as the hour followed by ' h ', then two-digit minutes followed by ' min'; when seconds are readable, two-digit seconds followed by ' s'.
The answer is 12 h 49 min
